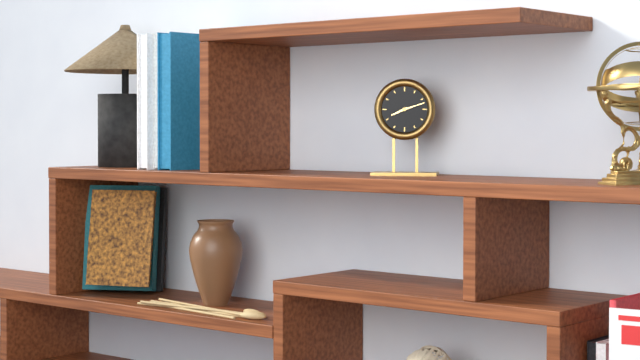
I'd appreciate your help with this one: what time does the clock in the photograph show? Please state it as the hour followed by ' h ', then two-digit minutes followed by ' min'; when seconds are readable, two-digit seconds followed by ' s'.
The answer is 8 h 12 min
